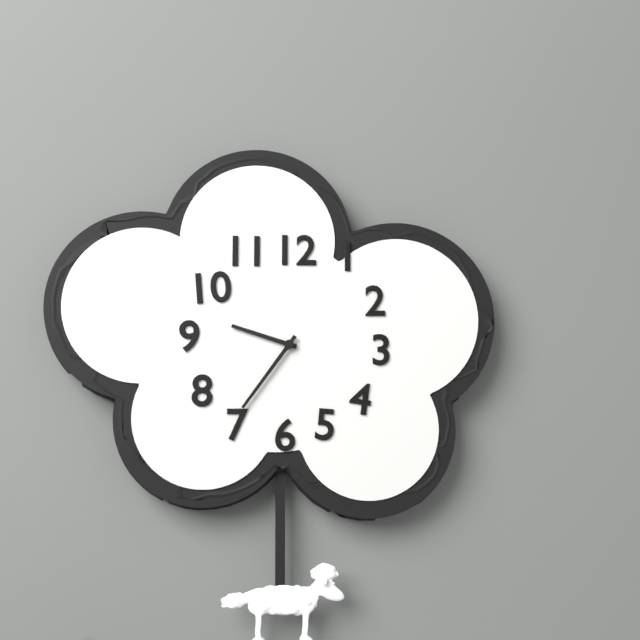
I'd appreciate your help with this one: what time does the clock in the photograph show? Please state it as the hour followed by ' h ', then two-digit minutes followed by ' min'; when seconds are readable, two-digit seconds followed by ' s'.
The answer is 9 h 36 min
